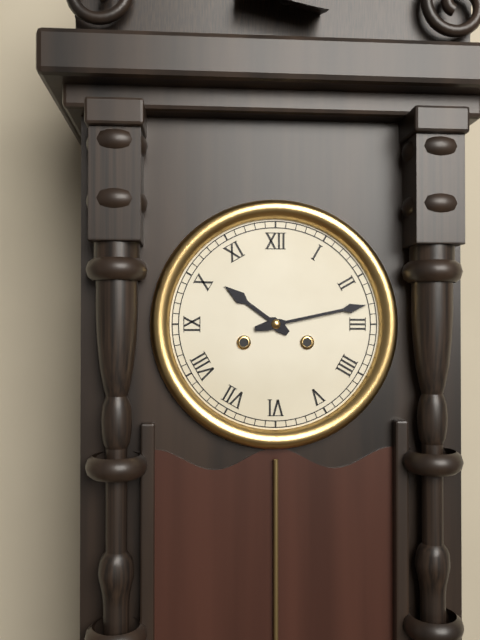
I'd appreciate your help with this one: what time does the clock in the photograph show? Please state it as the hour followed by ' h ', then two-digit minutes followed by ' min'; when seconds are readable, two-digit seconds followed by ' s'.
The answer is 10 h 13 min
